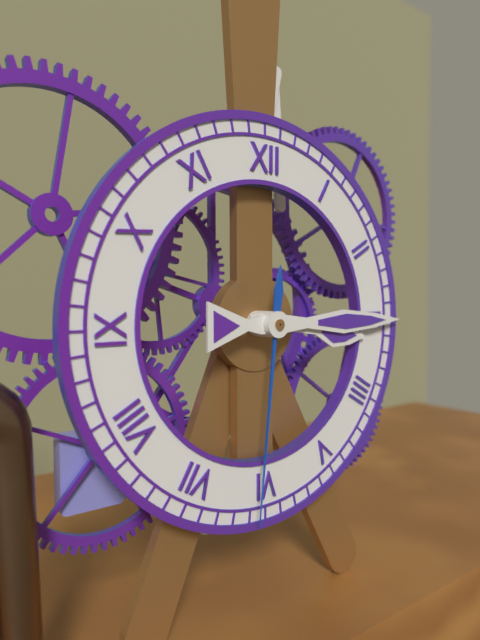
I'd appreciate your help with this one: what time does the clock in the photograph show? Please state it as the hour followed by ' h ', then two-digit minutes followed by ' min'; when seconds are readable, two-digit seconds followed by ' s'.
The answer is 3 h 15 min 31 s
